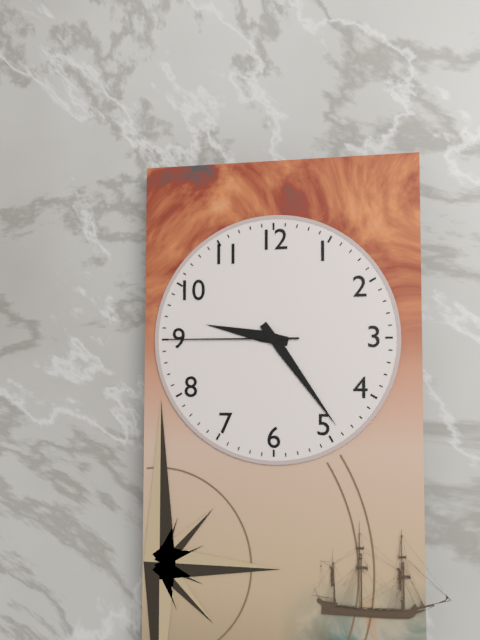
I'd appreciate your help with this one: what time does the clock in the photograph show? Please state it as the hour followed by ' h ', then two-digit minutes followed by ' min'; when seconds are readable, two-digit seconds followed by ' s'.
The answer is 9 h 24 min 45 s
